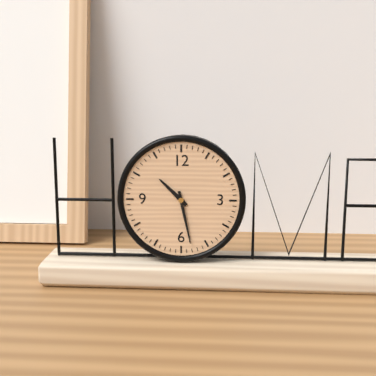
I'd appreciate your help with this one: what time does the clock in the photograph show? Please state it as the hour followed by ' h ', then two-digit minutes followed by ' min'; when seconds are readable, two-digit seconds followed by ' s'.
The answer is 10 h 28 min
